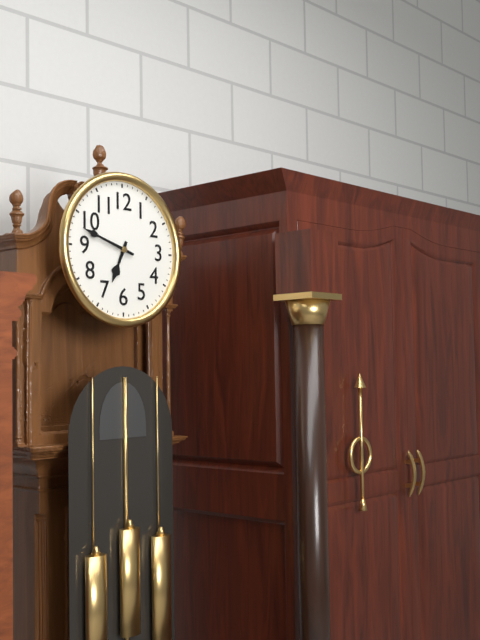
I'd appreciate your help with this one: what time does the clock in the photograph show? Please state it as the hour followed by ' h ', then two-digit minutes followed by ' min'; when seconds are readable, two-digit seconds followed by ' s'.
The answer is 6 h 48 min
